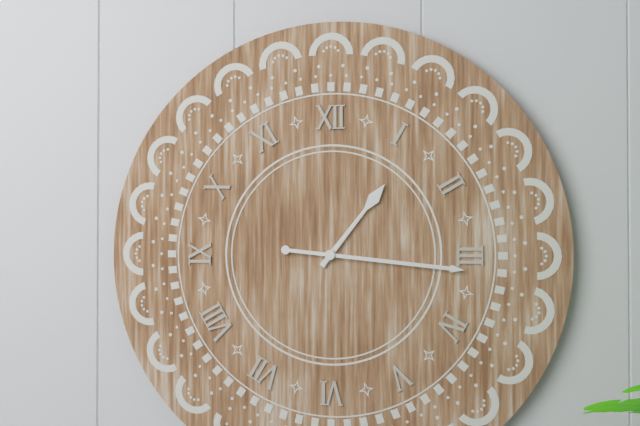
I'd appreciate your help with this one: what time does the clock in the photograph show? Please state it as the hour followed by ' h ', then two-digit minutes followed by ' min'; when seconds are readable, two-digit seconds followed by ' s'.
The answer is 1 h 16 min
